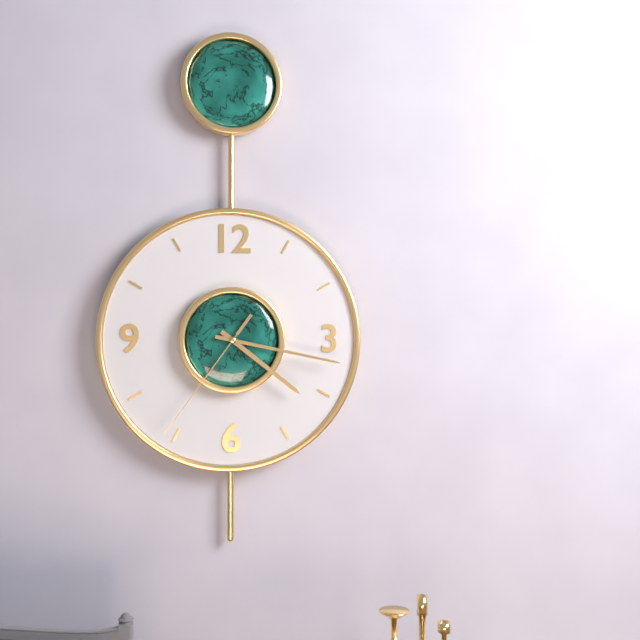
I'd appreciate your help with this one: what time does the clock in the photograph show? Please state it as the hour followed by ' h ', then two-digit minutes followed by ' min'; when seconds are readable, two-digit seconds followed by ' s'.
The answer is 4 h 17 min 36 s
